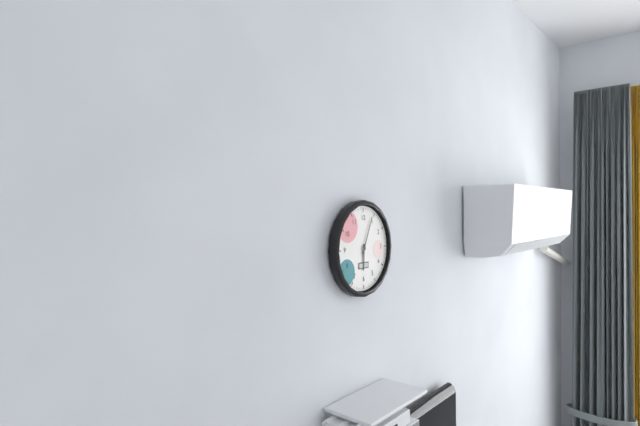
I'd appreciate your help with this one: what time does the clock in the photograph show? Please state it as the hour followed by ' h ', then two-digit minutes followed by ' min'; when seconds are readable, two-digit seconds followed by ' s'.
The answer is 6 h 04 min
